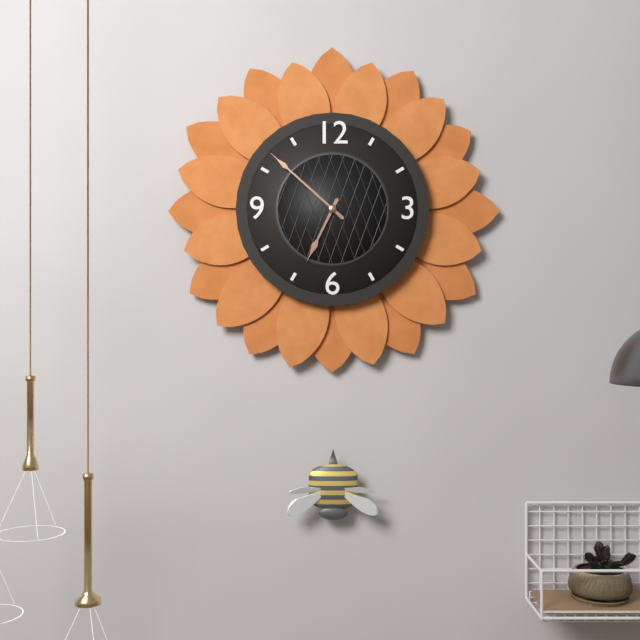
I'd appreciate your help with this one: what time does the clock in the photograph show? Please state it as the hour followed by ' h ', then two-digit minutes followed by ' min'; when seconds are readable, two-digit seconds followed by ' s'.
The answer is 6 h 52 min
